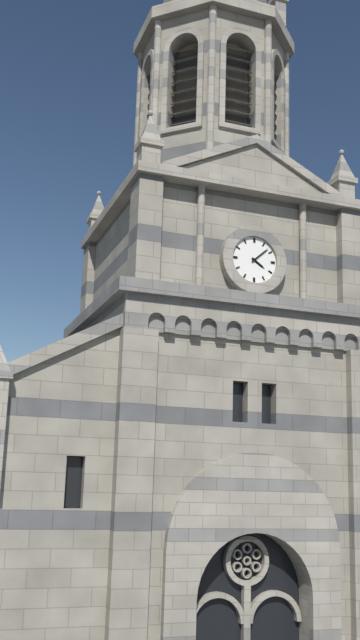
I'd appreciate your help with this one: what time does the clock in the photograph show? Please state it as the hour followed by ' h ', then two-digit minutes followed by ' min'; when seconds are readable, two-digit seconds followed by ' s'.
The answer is 4 h 08 min
